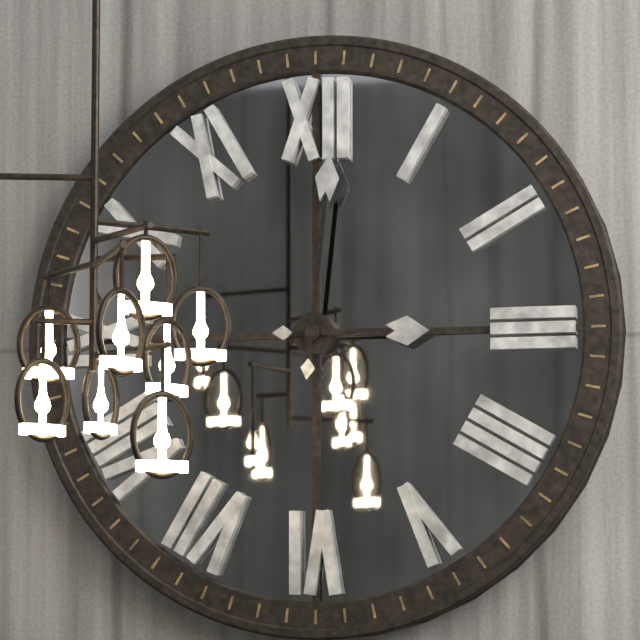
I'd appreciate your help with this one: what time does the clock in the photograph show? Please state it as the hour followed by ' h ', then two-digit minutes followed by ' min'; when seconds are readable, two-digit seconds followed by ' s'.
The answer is 3 h 01 min
